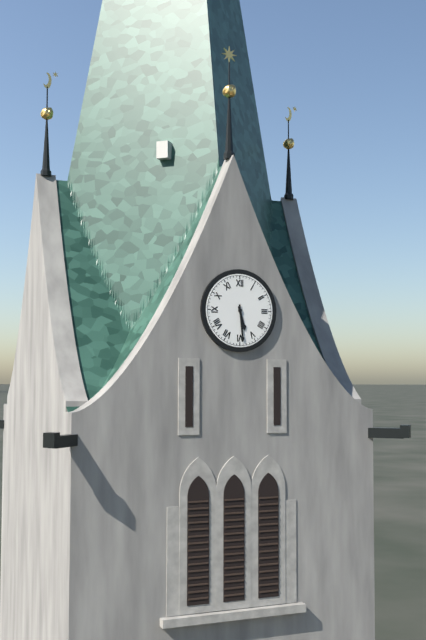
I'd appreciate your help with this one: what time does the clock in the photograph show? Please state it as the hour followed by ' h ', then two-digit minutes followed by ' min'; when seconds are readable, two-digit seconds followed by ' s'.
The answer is 5 h 29 min
